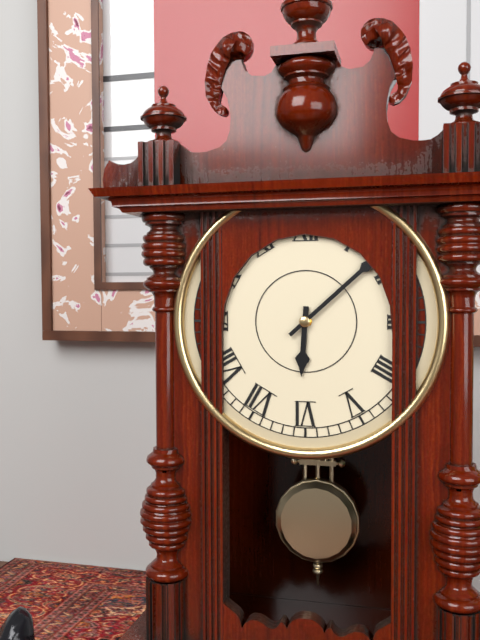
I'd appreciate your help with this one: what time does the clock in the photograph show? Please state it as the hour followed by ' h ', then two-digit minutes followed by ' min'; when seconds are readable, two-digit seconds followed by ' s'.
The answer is 6 h 08 min
